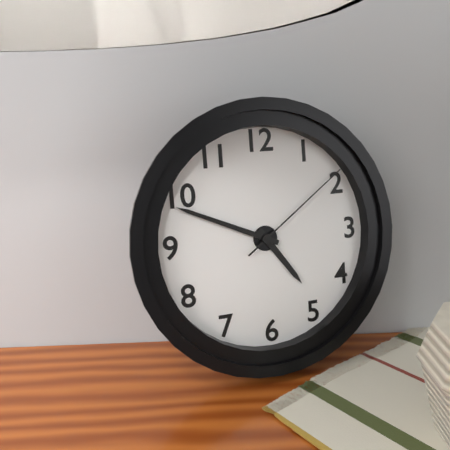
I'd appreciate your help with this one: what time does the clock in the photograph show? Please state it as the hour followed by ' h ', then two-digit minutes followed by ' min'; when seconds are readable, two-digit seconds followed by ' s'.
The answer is 4 h 49 min 09 s
